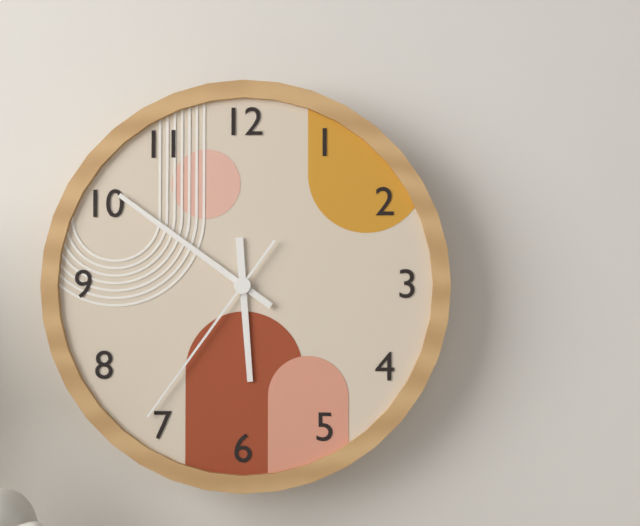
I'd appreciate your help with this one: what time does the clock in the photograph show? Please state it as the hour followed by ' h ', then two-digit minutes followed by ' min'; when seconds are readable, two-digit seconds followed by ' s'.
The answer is 5 h 51 min 36 s
